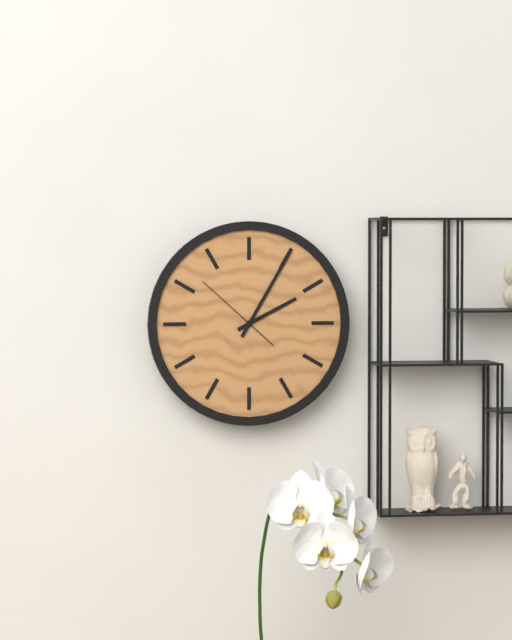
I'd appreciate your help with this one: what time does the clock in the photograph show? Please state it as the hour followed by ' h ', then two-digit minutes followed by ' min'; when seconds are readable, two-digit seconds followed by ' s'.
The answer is 2 h 05 min 52 s
